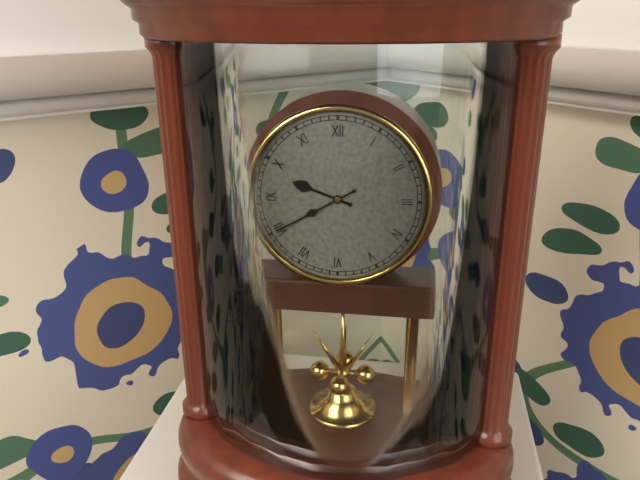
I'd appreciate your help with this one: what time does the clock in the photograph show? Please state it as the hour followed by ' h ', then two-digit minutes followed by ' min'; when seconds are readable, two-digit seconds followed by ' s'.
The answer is 9 h 40 min
